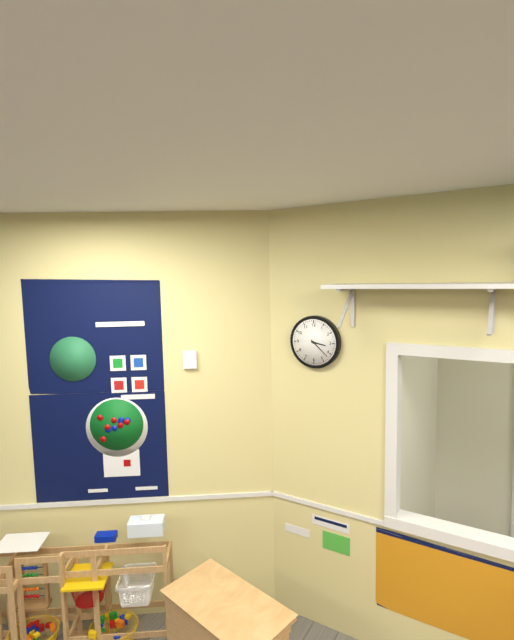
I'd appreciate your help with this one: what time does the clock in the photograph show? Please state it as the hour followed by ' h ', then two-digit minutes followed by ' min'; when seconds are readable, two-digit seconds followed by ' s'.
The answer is 3 h 22 min
